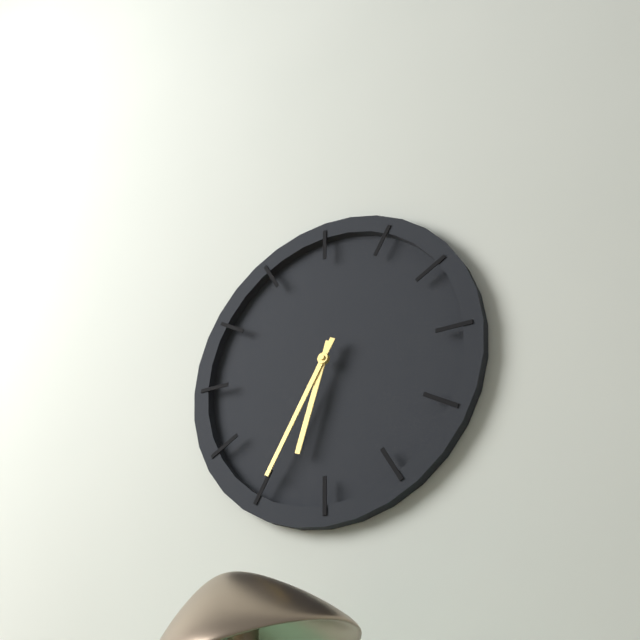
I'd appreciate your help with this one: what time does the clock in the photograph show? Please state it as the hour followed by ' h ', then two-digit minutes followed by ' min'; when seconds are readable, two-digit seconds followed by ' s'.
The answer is 6 h 35 min
